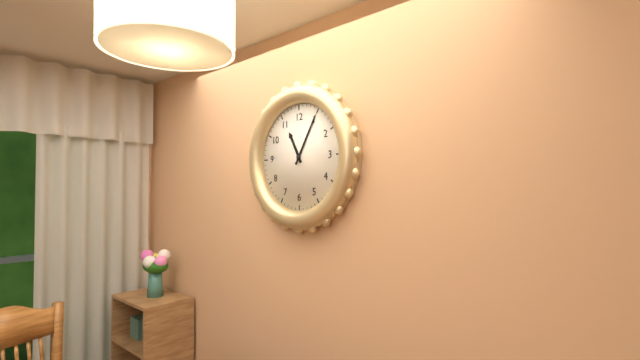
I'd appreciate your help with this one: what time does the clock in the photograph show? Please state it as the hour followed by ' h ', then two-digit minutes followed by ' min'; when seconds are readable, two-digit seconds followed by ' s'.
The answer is 11 h 05 min
